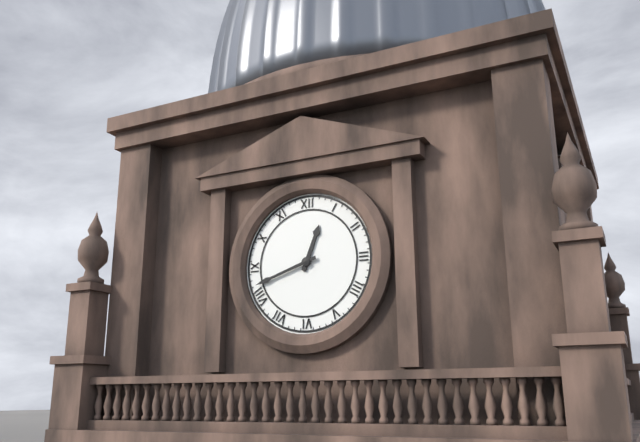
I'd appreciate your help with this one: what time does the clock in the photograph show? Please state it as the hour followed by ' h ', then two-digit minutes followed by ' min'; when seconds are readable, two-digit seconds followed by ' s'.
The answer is 12 h 42 min
